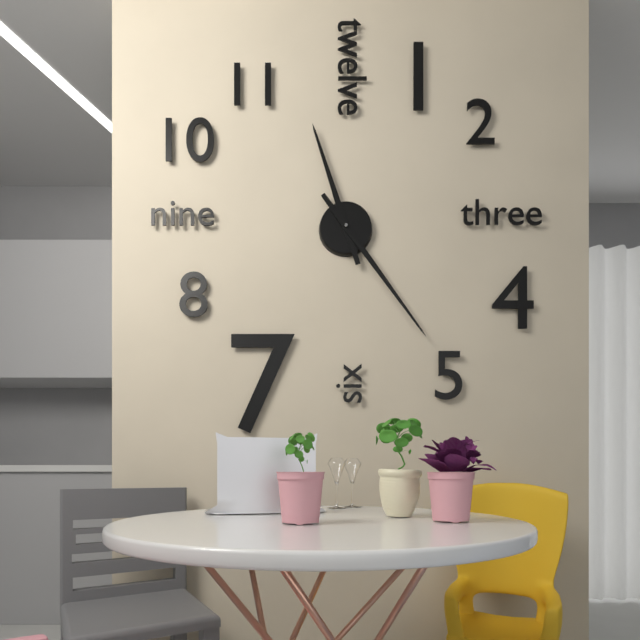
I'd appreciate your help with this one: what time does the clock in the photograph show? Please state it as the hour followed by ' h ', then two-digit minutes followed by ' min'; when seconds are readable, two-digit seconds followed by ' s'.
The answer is 11 h 24 min
